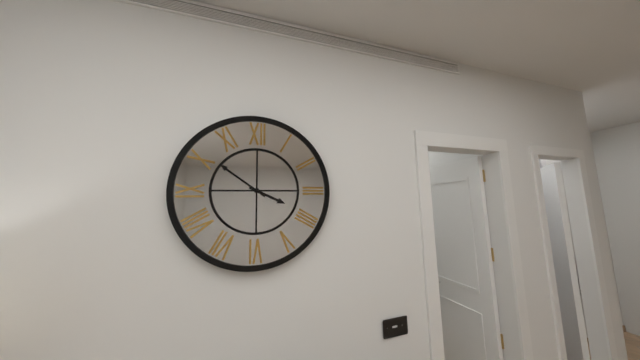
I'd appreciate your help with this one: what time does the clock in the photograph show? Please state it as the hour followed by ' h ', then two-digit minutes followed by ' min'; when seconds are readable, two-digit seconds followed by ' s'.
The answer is 3 h 51 min
